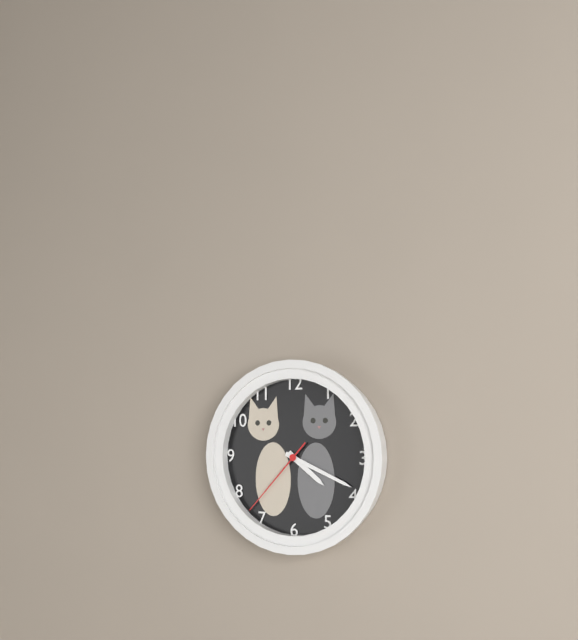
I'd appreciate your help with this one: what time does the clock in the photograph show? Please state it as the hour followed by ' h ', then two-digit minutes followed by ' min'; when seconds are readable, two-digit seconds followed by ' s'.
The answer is 4 h 19 min 37 s
